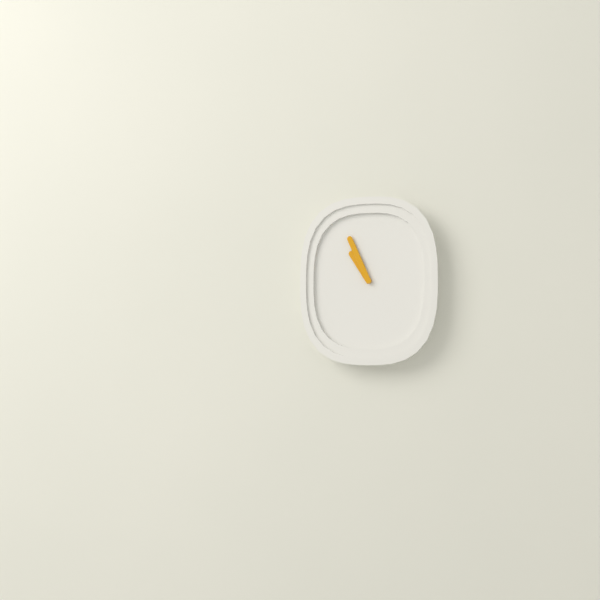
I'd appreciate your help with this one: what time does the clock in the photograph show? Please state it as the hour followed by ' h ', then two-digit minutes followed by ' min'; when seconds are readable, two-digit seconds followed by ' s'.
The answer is 10 h 56 min
